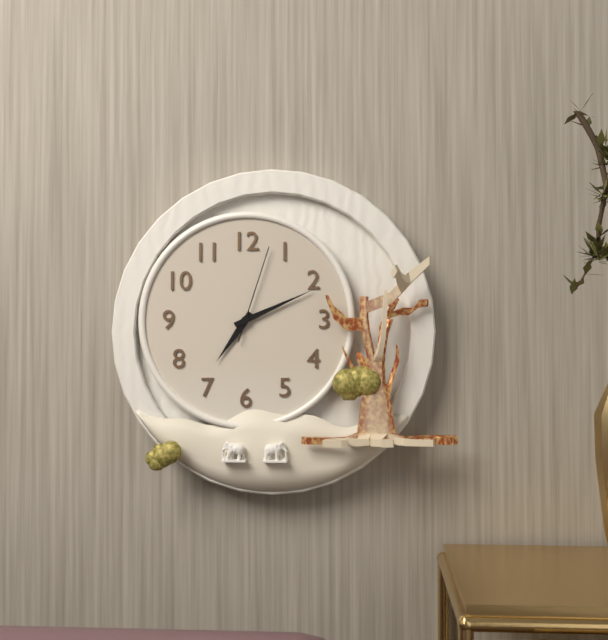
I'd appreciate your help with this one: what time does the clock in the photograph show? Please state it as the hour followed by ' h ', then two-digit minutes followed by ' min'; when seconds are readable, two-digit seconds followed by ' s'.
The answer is 7 h 11 min 03 s
